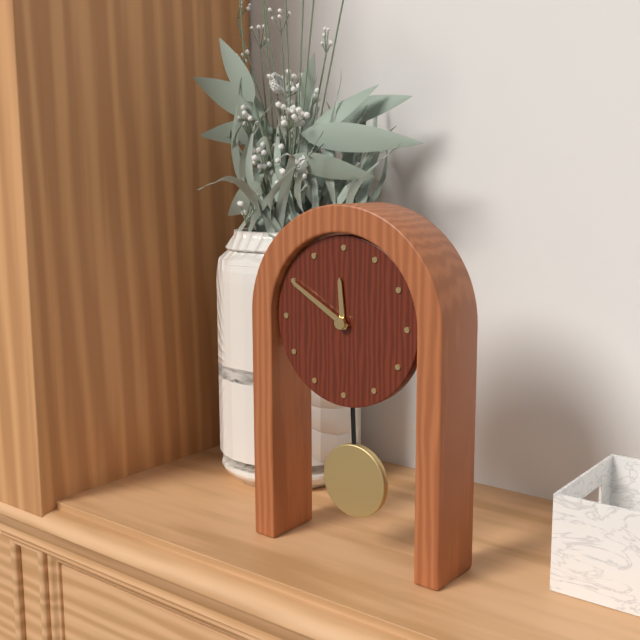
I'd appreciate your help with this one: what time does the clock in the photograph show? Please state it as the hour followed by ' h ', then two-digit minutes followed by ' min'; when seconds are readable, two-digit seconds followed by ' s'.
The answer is 11 h 50 min
